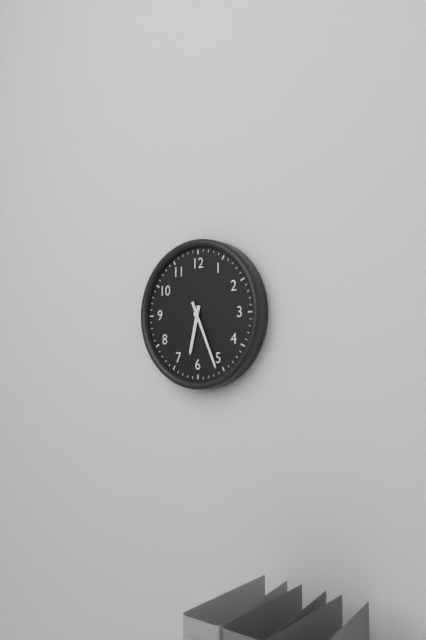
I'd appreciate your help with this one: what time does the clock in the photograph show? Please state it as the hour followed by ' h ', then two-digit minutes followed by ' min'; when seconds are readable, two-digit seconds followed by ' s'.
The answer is 6 h 26 min
